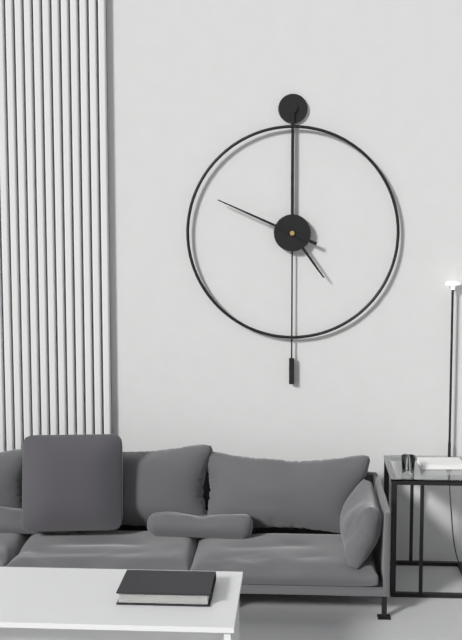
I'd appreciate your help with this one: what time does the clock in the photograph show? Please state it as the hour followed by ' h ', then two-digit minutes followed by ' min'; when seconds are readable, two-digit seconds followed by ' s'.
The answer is 4 h 49 min
